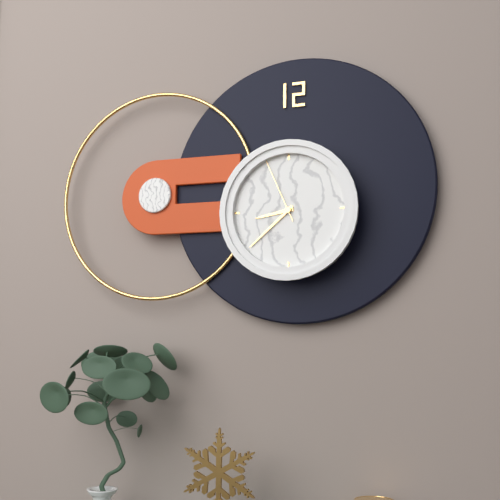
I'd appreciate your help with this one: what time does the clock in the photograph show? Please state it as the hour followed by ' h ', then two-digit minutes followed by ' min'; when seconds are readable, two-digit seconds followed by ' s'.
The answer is 8 h 38 min 56 s
